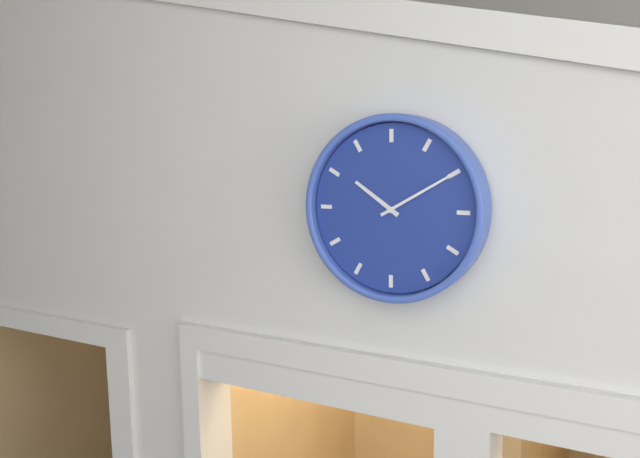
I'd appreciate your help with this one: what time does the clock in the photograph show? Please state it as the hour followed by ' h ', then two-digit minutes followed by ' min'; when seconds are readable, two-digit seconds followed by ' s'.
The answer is 10 h 10 min
